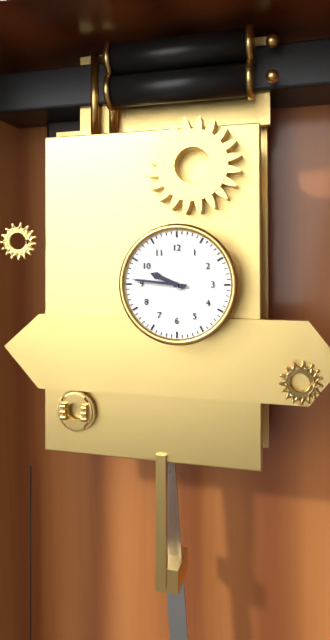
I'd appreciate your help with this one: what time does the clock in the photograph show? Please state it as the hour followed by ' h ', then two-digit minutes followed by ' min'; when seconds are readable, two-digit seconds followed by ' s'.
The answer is 9 h 46 min
